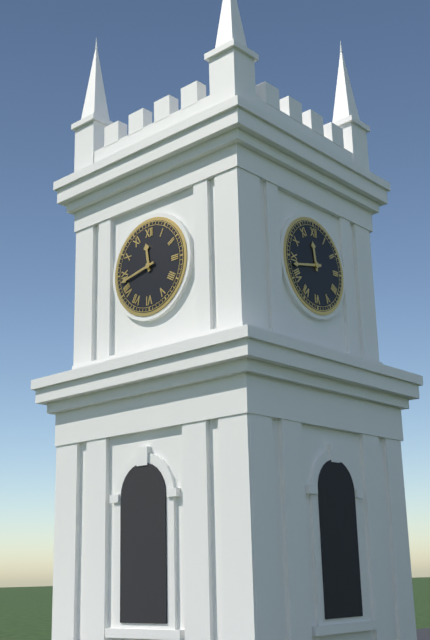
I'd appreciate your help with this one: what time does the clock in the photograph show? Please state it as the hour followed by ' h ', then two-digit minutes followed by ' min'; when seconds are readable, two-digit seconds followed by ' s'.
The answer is 11 h 43 min
